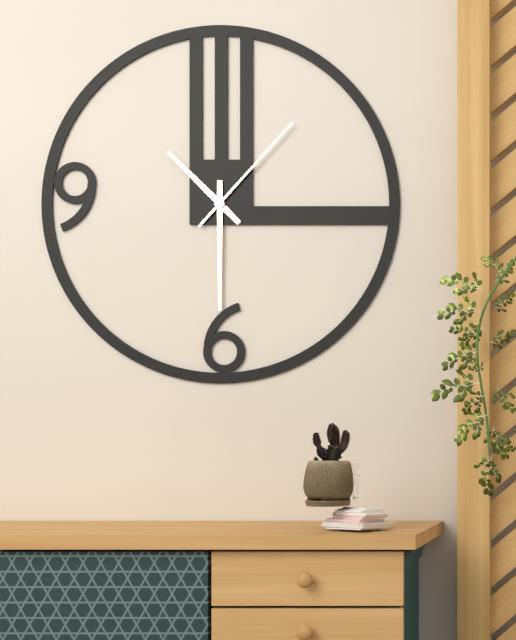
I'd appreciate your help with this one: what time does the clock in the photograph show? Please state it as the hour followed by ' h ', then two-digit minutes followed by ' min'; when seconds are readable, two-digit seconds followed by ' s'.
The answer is 10 h 30 min 07 s
